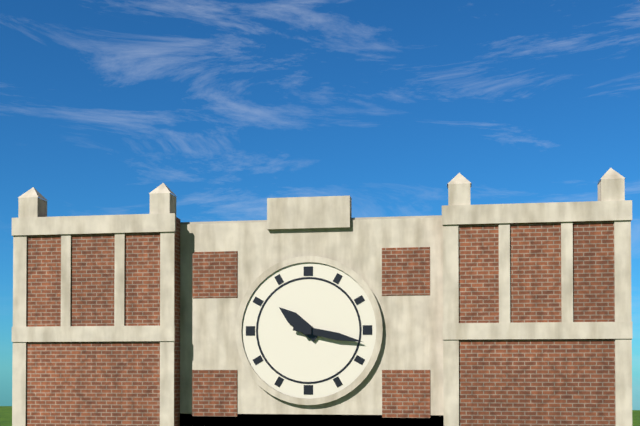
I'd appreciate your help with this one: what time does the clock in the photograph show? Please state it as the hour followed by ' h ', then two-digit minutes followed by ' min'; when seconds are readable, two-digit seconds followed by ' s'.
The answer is 10 h 17 min
